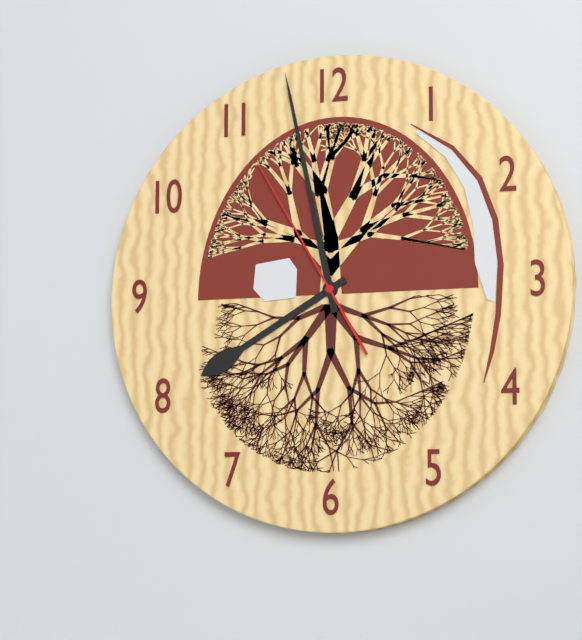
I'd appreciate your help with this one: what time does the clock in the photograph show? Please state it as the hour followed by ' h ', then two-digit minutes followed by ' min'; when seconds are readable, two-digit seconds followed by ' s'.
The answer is 7 h 58 min 55 s
